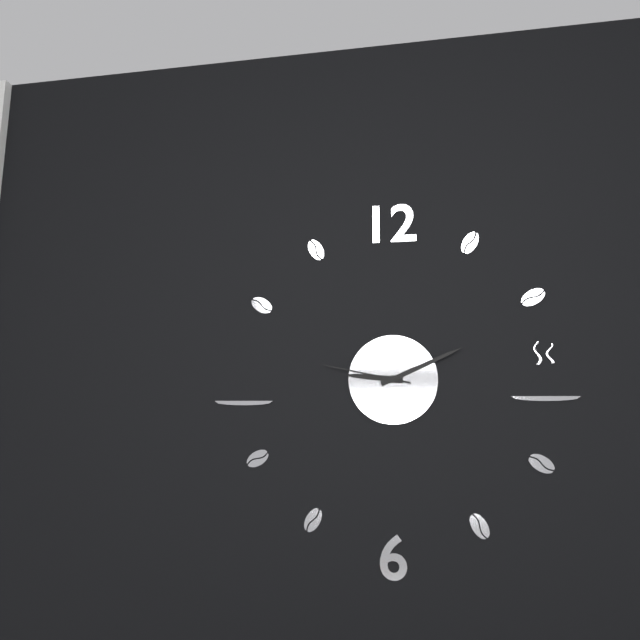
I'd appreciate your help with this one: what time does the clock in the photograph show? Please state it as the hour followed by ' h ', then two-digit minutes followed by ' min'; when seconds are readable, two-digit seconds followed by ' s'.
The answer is 9 h 11 min 47 s
